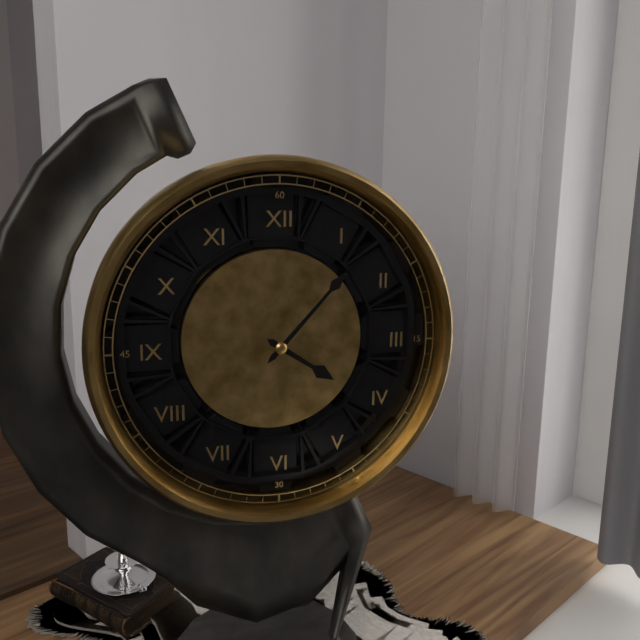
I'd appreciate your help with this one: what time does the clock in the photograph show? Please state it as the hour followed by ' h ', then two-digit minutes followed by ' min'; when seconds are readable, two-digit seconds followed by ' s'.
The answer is 4 h 07 min
